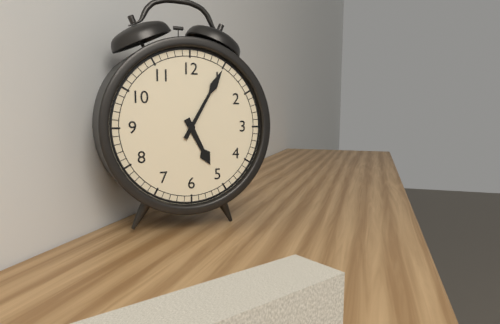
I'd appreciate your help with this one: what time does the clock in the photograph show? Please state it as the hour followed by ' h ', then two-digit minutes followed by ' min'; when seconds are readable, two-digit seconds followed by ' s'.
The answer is 5 h 05 min
